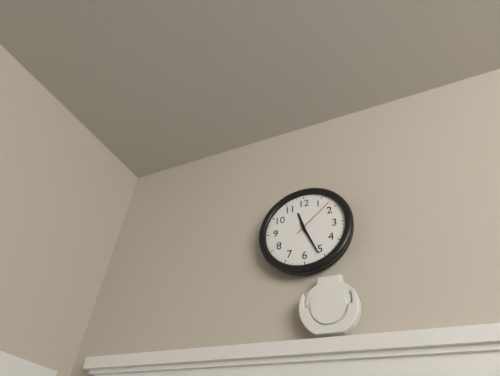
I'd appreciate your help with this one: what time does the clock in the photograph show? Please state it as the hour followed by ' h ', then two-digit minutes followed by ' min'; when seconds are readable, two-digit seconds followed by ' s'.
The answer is 11 h 26 min
